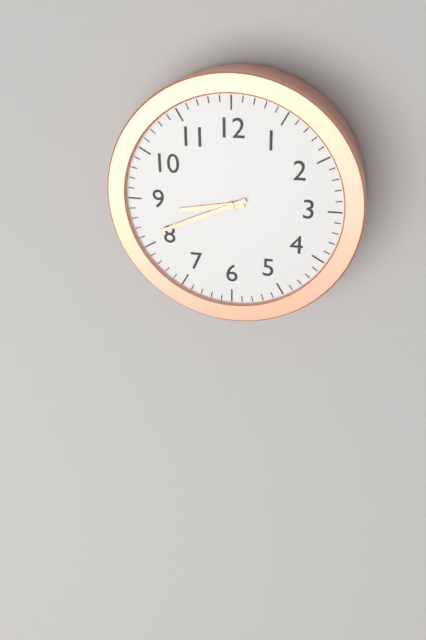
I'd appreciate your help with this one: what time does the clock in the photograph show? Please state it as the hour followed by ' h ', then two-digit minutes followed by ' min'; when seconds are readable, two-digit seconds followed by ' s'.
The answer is 8 h 41 min
